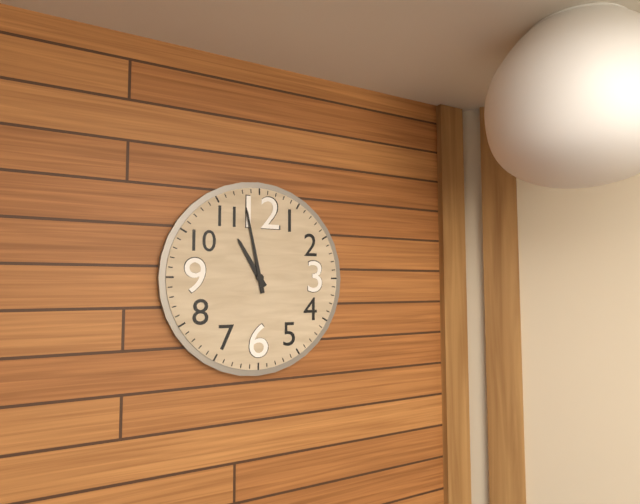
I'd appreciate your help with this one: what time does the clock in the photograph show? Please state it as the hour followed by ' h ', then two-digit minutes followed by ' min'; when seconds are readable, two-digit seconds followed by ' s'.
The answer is 10 h 58 min
